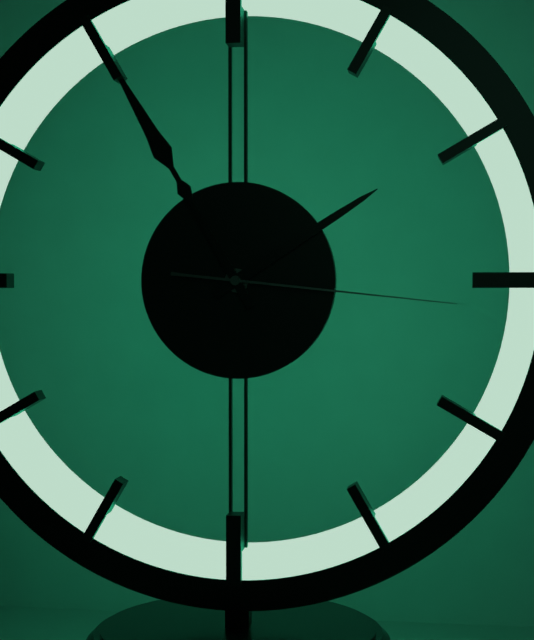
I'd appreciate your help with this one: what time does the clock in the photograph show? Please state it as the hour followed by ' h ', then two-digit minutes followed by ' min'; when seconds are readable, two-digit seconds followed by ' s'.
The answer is 1 h 55 min 16 s
